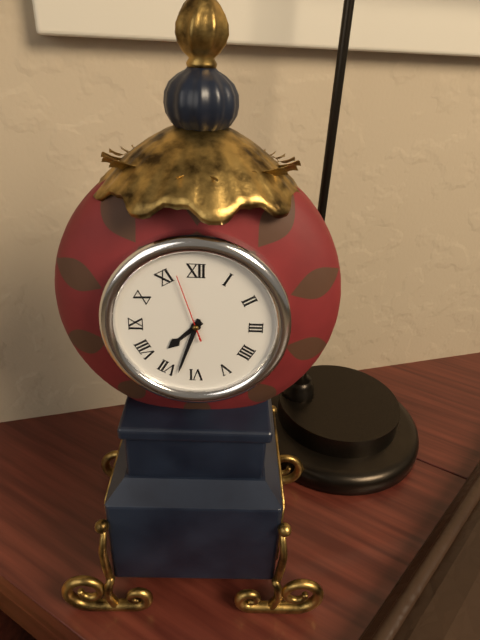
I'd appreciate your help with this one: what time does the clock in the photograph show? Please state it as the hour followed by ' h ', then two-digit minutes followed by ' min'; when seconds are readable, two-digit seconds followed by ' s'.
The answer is 7 h 33 min 57 s
